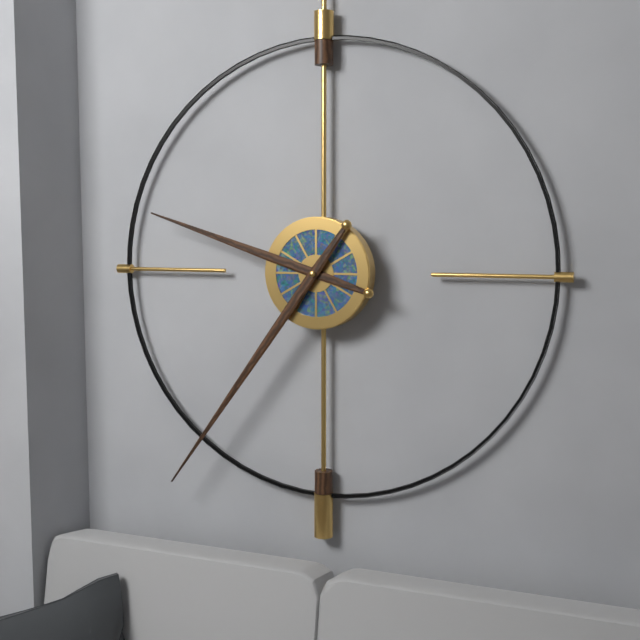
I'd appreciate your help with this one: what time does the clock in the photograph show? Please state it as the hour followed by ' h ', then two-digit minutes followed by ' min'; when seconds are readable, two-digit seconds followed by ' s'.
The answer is 9 h 36 min
